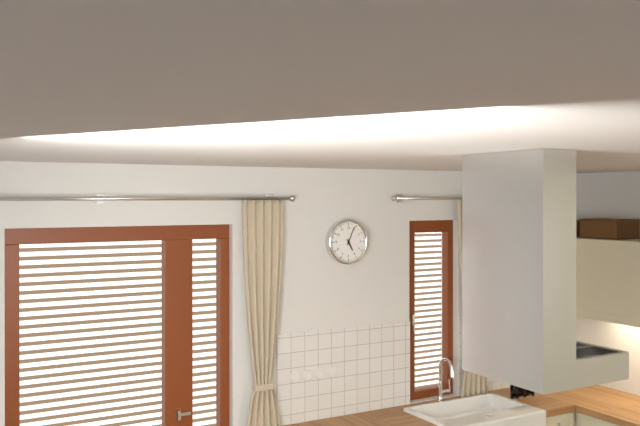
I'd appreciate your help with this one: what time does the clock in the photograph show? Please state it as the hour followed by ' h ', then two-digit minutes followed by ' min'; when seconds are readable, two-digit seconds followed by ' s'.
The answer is 5 h 04 min
